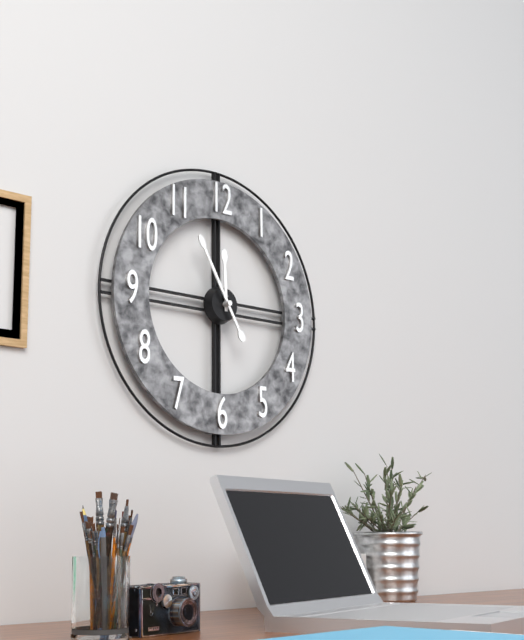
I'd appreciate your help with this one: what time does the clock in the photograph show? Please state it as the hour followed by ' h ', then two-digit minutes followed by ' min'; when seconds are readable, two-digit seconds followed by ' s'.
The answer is 11 h 55 min
